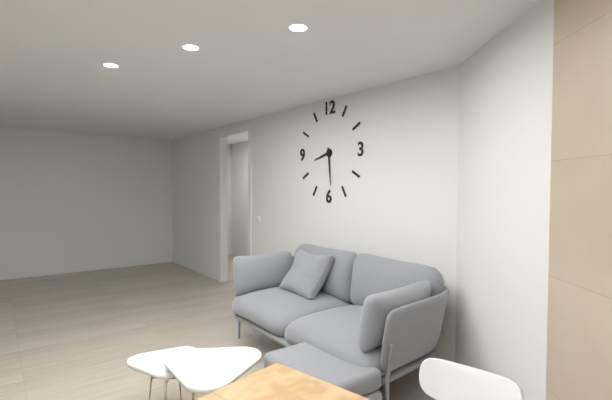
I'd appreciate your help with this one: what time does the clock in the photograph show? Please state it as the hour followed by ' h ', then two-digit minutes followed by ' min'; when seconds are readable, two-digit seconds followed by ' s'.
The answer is 8 h 29 min
